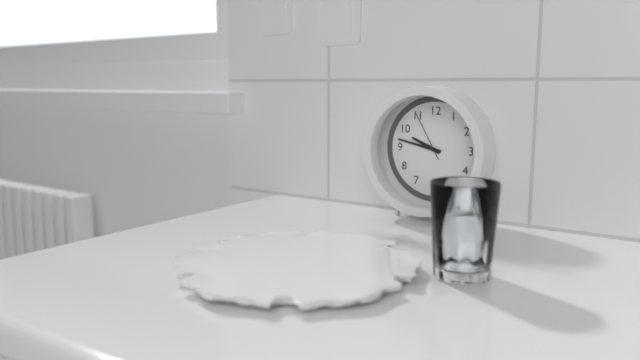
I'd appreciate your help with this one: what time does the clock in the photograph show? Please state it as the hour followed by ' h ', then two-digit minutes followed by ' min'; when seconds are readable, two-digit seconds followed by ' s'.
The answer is 9 h 47 min 55 s
